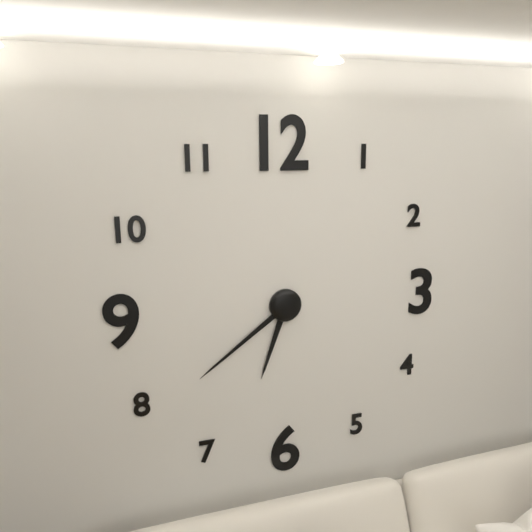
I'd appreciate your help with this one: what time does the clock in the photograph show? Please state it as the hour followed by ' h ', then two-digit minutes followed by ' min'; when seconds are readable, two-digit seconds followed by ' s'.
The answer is 6 h 39 min
